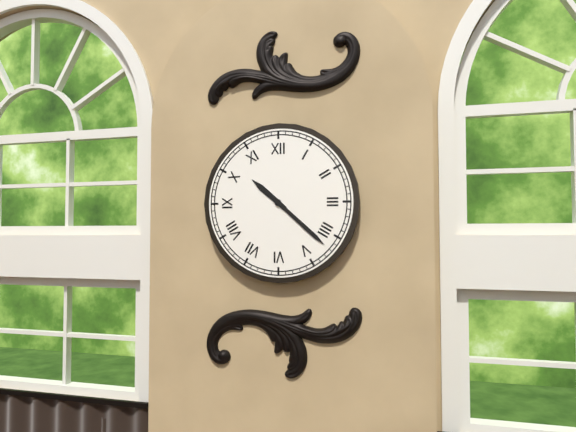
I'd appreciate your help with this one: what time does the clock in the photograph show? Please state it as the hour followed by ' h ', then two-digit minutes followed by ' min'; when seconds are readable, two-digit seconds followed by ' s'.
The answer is 10 h 22 min
